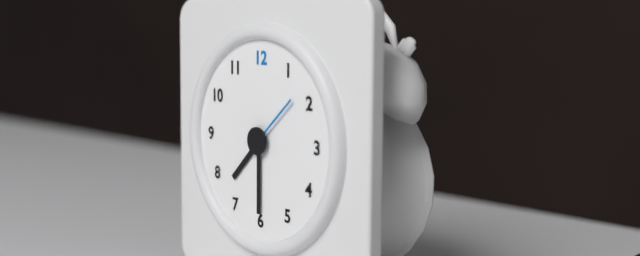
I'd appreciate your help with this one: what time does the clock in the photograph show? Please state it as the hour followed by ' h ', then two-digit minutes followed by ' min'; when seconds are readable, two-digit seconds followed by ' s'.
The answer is 7 h 30 min 08 s
